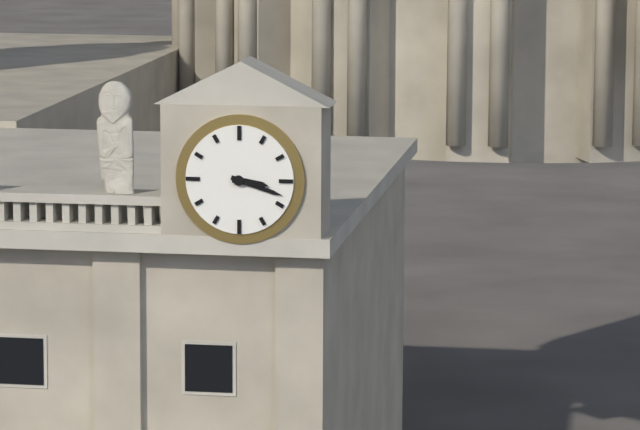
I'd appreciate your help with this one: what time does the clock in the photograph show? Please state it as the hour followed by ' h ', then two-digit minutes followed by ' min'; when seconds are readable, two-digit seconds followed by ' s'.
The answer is 3 h 18 min
